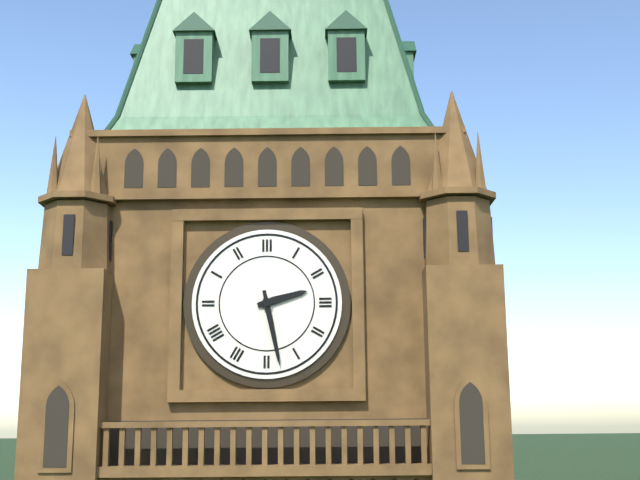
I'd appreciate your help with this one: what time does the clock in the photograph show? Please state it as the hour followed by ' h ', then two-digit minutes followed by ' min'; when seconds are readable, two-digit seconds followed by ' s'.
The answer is 2 h 28 min
